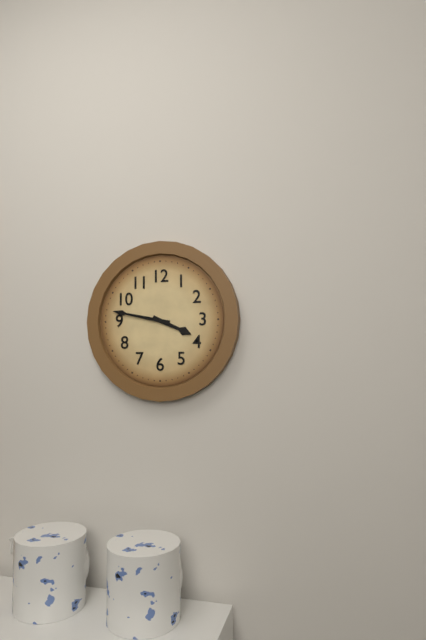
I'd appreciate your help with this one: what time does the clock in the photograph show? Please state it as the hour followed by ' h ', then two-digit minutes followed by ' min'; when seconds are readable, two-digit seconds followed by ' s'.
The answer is 3 h 47 min
